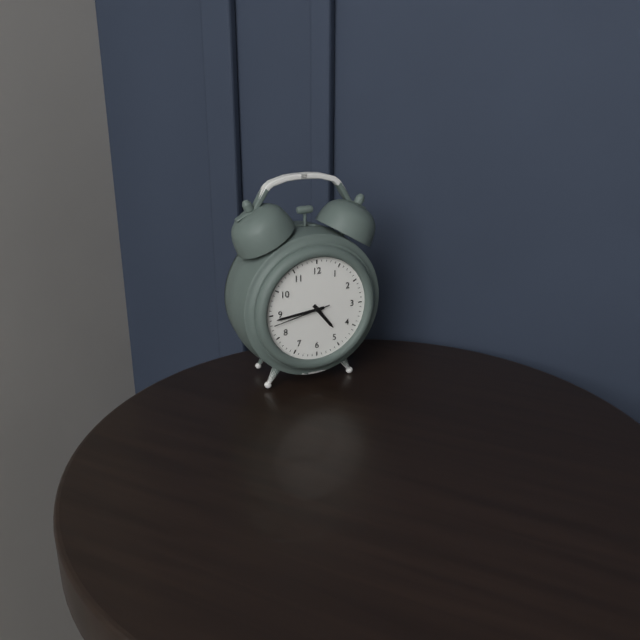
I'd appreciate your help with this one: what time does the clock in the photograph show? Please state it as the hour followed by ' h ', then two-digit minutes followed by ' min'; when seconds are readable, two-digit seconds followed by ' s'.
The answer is 4 h 44 min 43 s
